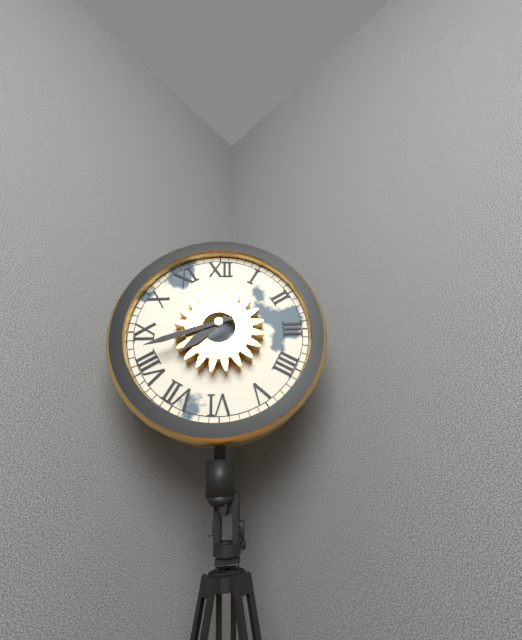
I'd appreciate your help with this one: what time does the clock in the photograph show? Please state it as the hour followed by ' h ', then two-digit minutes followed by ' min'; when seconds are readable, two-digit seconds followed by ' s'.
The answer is 7 h 42 min
